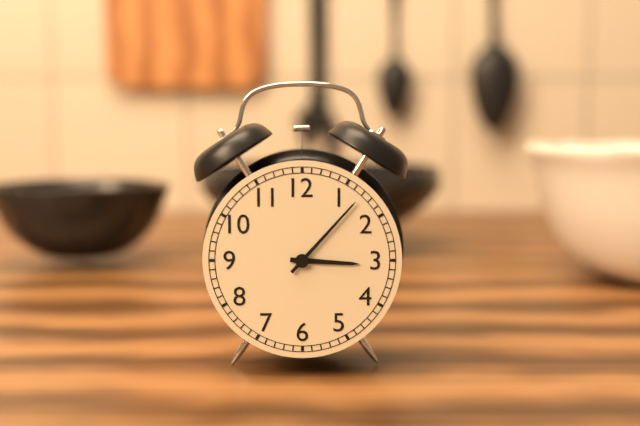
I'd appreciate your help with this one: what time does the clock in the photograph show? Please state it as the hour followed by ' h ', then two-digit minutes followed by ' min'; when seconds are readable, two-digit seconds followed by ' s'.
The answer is 3 h 07 min
